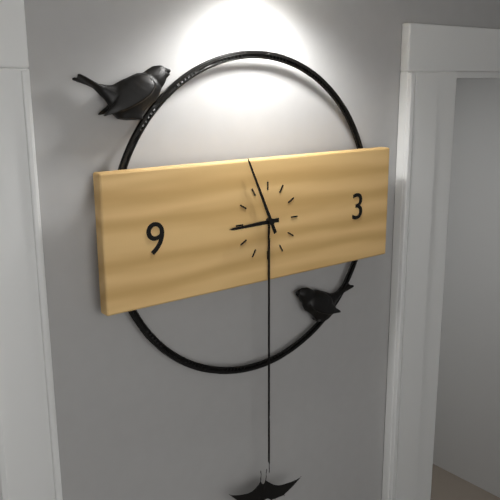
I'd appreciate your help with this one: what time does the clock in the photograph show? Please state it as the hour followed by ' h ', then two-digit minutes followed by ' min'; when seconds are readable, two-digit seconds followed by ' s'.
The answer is 8 h 56 min
